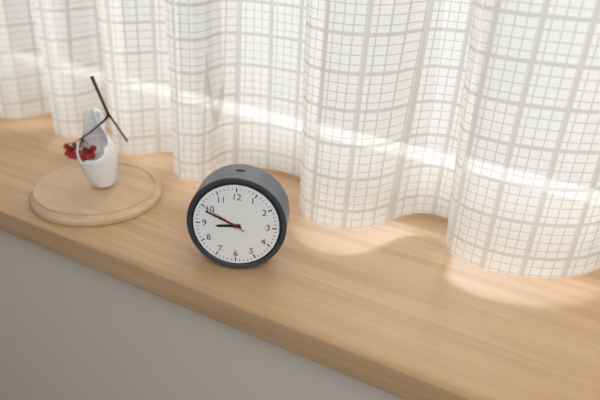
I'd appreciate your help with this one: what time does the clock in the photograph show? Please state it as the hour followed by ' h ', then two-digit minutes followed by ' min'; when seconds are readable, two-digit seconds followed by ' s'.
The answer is 8 h 49 min
